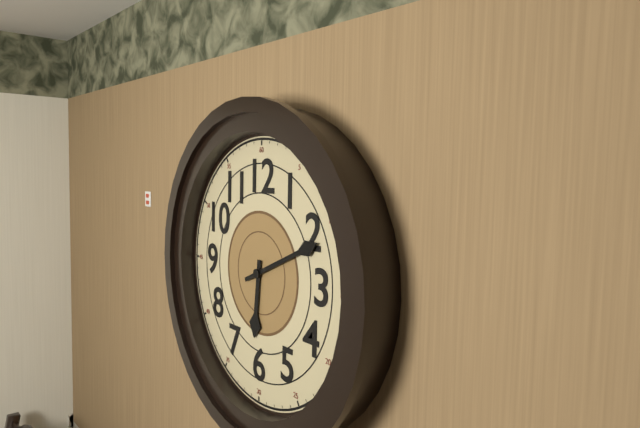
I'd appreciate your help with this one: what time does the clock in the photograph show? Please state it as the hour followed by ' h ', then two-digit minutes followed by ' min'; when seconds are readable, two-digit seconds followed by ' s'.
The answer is 6 h 11 min
